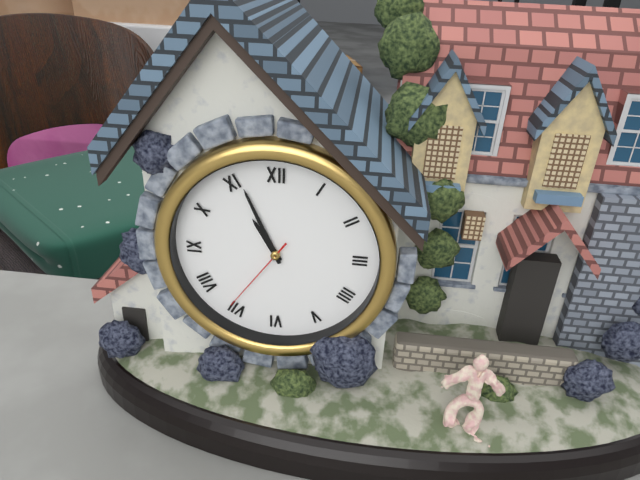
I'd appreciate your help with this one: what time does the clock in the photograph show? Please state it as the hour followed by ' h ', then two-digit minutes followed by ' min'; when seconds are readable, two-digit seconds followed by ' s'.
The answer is 10 h 56 min 36 s
